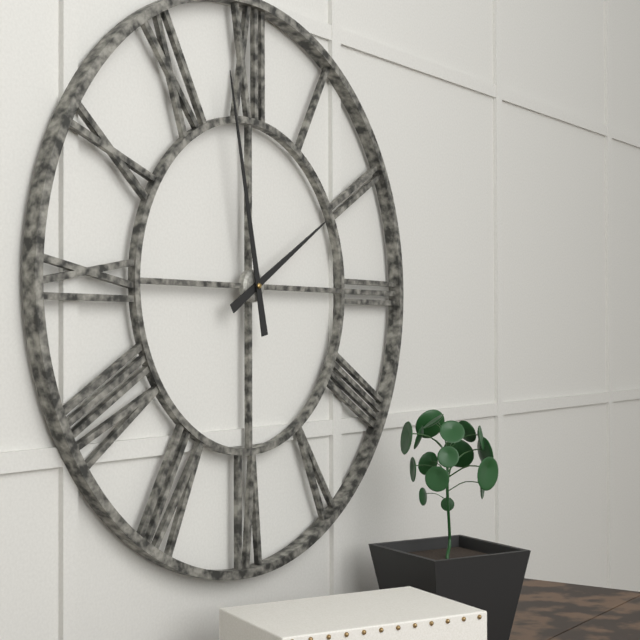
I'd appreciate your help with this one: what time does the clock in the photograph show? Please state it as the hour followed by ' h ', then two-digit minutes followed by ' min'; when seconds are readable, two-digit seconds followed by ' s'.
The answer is 1 h 58 min
